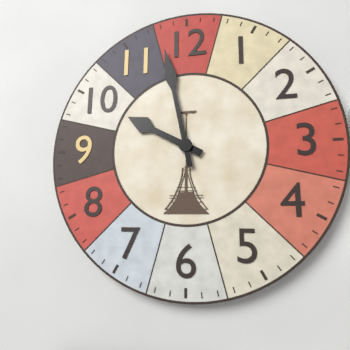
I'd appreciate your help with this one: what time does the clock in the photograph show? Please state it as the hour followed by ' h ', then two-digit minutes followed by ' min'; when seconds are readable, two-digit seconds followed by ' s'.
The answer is 9 h 58 min
